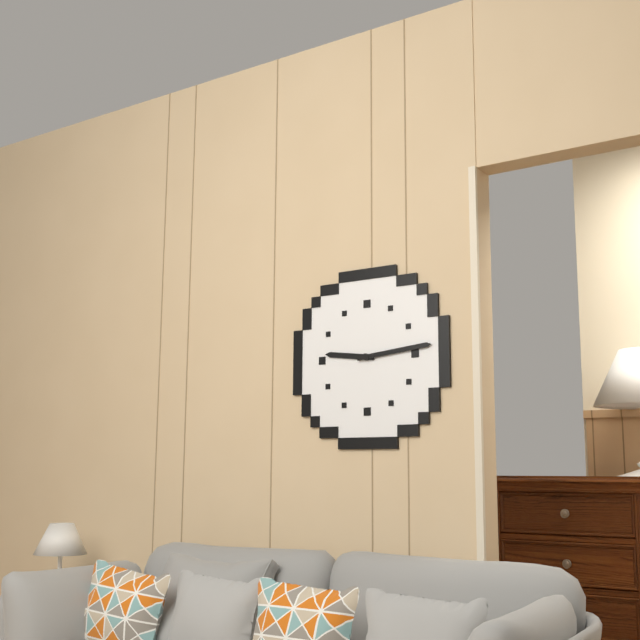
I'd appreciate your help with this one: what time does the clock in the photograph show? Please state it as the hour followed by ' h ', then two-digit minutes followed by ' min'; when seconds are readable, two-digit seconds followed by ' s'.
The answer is 9 h 14 min
